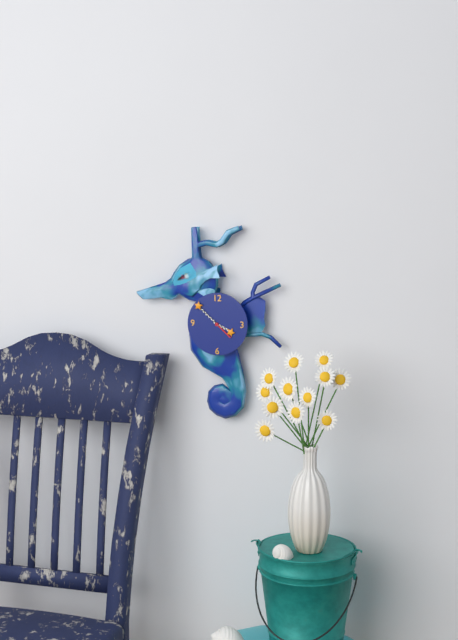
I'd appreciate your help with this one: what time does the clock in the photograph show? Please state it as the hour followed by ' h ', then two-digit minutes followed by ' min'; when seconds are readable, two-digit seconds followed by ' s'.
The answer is 3 h 52 min
